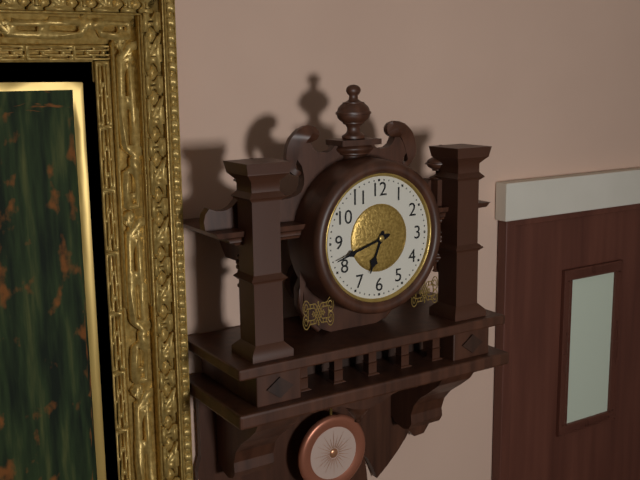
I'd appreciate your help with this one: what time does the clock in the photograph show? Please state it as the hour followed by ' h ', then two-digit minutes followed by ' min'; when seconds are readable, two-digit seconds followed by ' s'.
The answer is 6 h 42 min
